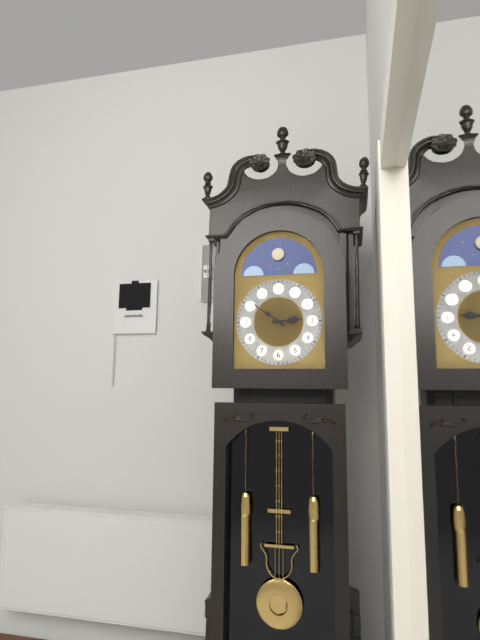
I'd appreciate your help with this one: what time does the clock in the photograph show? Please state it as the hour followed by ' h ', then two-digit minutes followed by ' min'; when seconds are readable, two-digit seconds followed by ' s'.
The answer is 2 h 51 min
